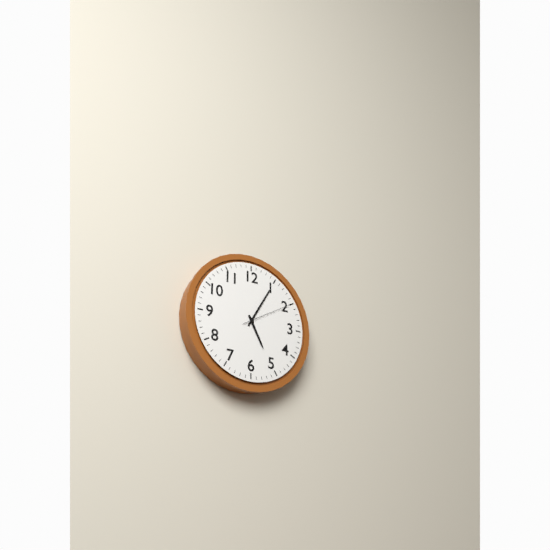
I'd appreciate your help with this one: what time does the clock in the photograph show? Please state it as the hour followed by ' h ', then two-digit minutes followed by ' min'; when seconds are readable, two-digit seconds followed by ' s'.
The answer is 5 h 05 min 10 s
